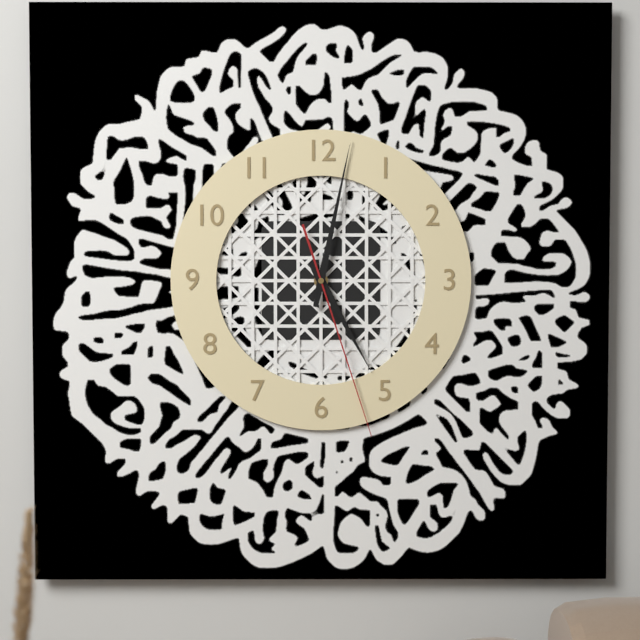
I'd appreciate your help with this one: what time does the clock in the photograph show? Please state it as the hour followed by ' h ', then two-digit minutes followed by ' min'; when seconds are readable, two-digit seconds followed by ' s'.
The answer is 5 h 02 min 27 s
